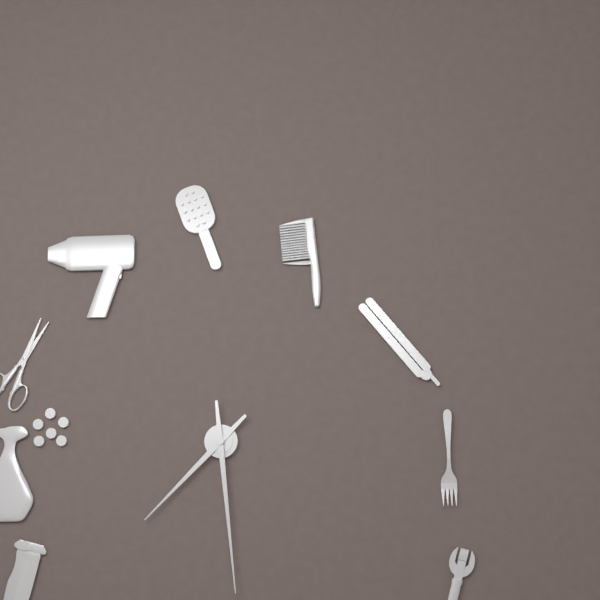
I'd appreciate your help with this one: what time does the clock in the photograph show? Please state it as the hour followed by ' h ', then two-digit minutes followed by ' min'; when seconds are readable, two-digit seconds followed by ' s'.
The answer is 7 h 29 min
